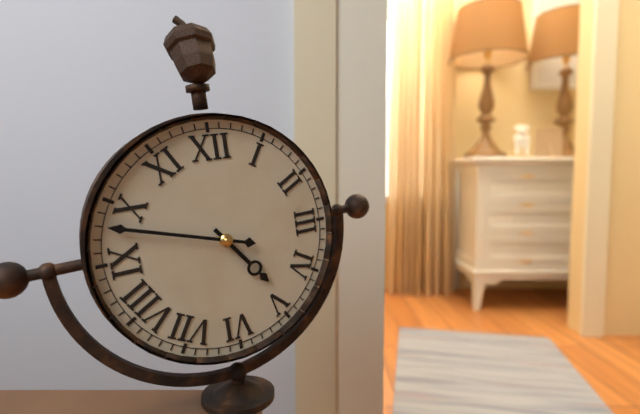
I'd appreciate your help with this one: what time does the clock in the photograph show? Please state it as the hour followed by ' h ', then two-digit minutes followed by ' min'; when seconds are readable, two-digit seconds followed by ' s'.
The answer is 4 h 48 min
